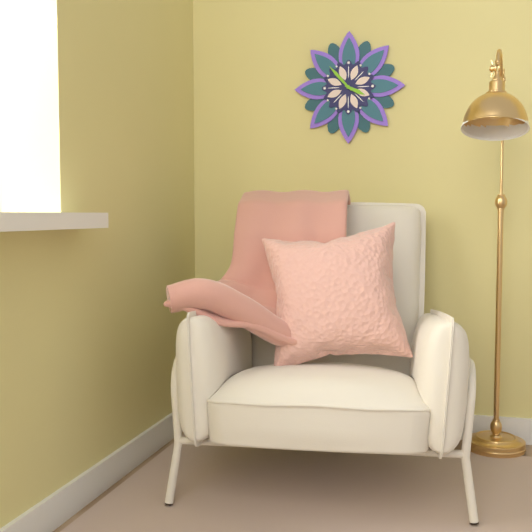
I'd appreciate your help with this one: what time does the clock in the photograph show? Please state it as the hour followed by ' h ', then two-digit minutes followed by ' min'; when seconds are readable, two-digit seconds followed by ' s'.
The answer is 3 h 53 min
